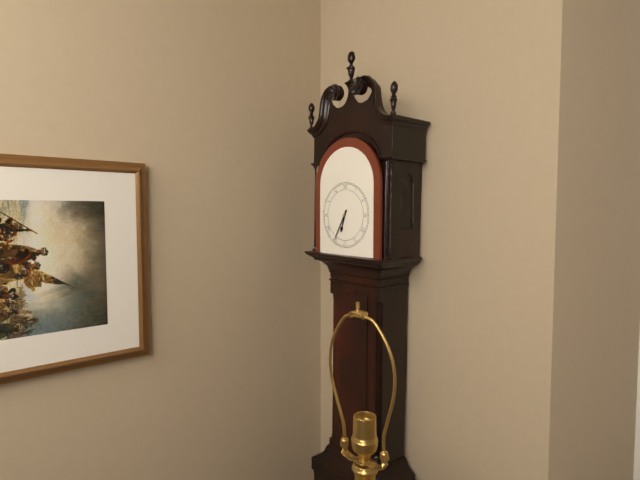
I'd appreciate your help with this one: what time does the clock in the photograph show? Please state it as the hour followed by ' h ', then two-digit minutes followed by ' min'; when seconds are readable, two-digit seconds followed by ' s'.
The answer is 6 h 35 min
